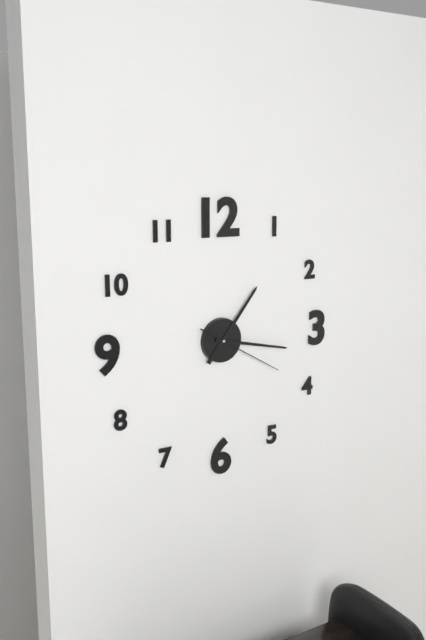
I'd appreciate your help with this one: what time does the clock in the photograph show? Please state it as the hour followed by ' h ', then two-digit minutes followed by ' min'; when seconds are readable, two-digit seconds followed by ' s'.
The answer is 1 h 17 min 20 s
